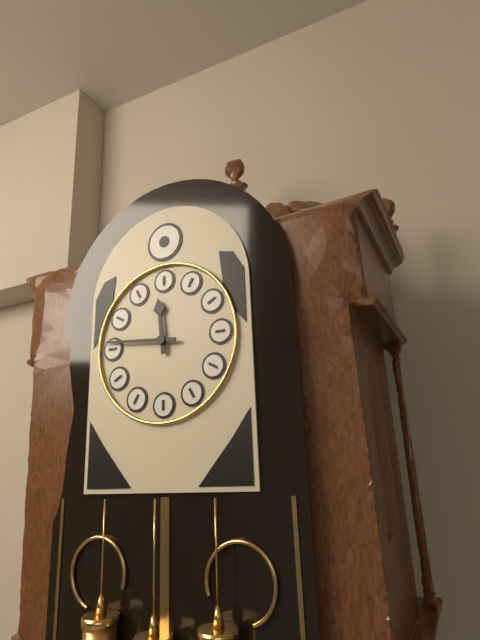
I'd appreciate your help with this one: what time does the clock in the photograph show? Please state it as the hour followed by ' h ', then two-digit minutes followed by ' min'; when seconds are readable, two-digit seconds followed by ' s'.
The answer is 11 h 46 min
